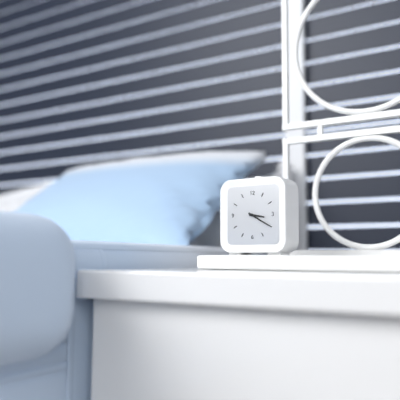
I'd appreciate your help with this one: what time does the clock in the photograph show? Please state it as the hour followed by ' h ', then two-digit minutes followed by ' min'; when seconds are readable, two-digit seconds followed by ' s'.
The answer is 3 h 20 min
